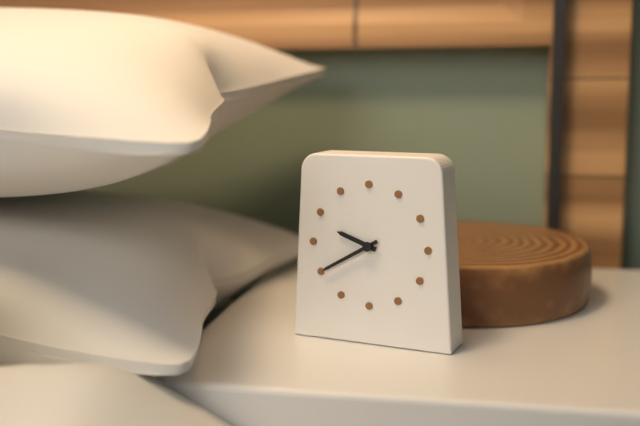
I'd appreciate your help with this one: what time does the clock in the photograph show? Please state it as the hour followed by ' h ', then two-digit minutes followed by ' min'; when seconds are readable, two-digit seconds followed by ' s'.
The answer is 9 h 40 min
